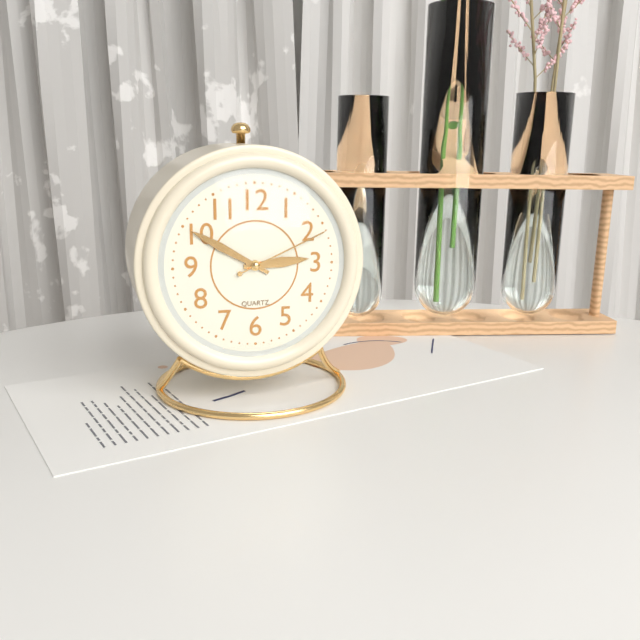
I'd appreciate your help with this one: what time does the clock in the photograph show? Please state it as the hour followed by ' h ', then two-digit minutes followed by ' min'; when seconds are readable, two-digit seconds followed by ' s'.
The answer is 2 h 50 min 11 s
